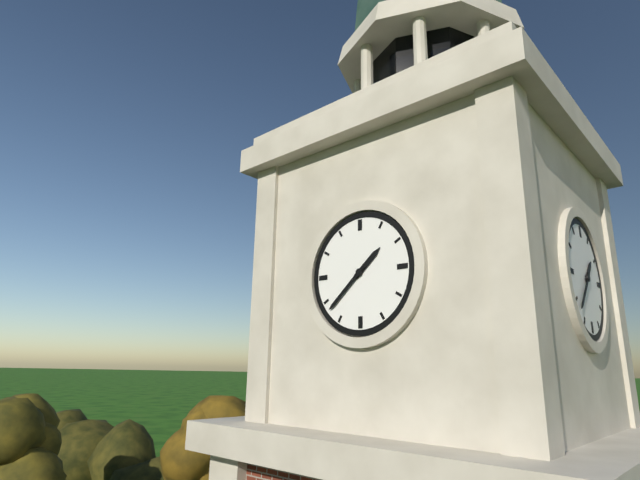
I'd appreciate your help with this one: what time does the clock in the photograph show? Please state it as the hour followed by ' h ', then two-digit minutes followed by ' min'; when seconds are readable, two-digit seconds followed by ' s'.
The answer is 1 h 38 min
